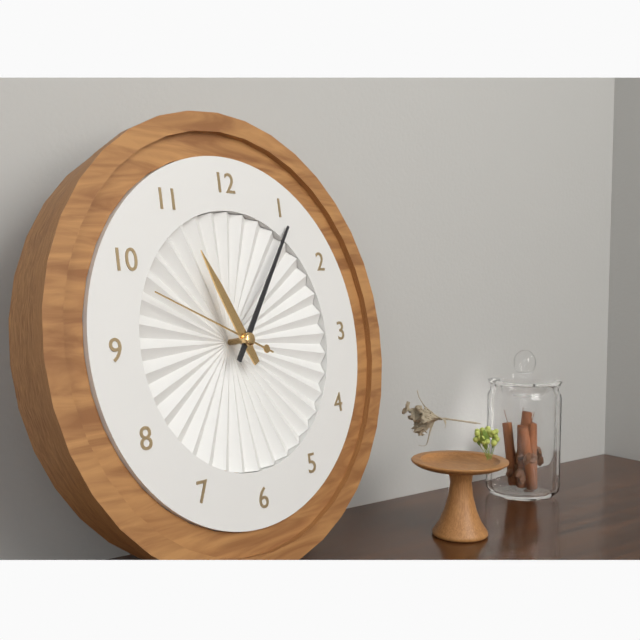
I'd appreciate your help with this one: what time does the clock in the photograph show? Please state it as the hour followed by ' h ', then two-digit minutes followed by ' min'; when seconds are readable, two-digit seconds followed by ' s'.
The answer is 11 h 06 min 49 s
